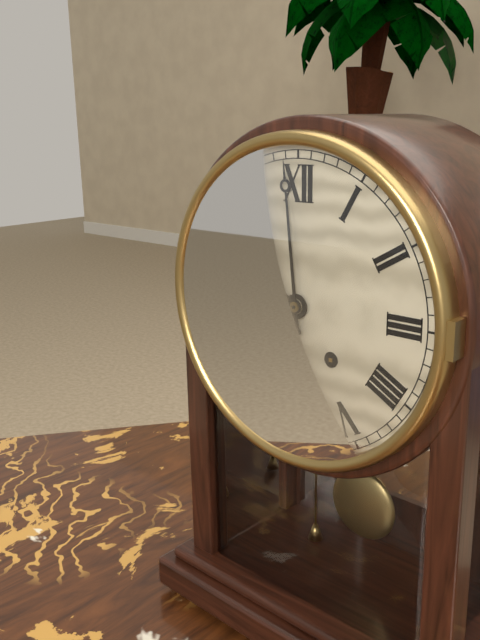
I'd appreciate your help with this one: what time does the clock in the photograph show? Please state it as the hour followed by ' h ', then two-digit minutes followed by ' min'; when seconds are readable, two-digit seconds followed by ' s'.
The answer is 9 h 59 min
